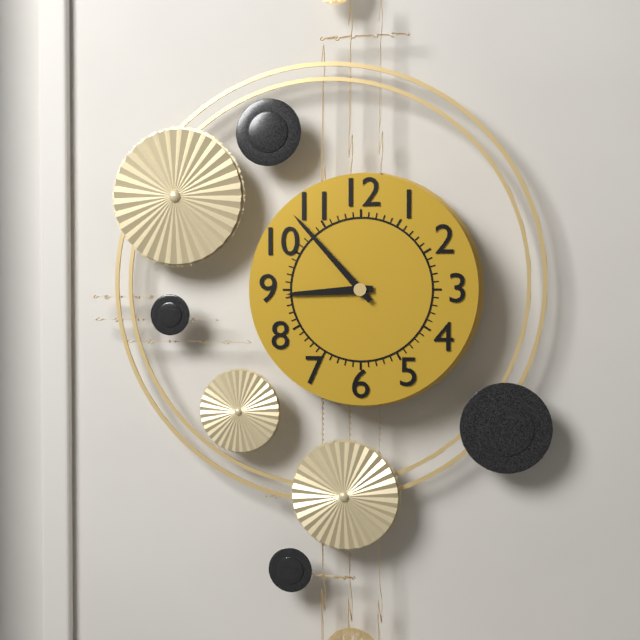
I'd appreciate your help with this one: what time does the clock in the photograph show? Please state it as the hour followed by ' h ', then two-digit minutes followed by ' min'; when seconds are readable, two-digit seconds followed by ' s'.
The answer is 8 h 53 min
